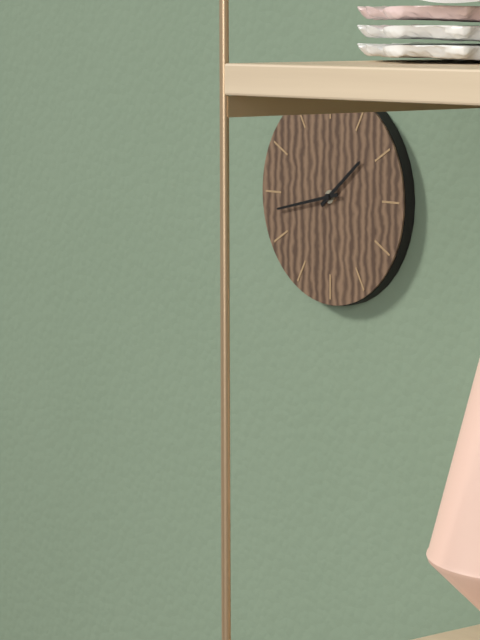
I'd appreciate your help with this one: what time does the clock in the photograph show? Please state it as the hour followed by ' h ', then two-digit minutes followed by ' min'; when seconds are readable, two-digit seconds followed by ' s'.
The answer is 1 h 43 min
